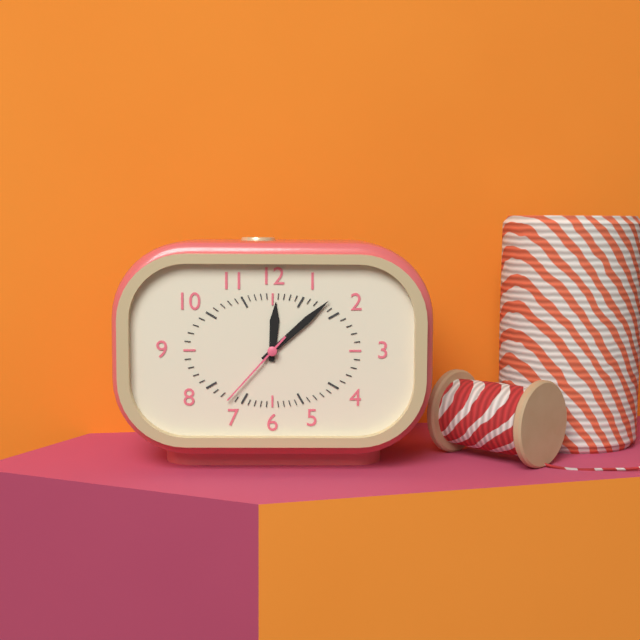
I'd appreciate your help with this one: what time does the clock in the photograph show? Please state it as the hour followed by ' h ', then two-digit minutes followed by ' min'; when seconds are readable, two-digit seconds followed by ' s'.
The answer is 12 h 08 min 37 s
